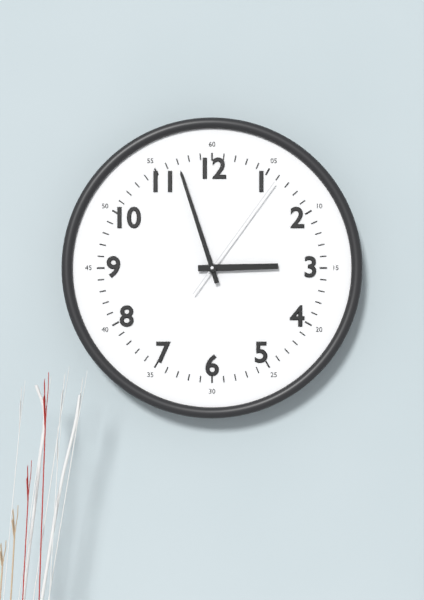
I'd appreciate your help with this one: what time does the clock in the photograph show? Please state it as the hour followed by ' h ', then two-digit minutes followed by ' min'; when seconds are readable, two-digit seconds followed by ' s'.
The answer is 2 h 57 min 06 s
